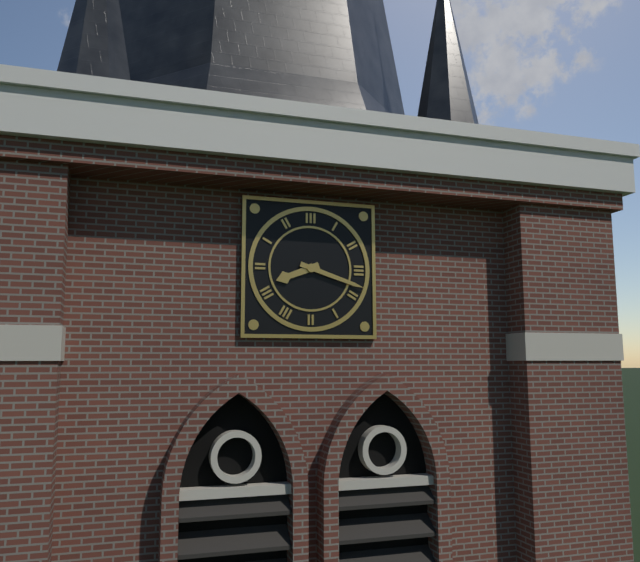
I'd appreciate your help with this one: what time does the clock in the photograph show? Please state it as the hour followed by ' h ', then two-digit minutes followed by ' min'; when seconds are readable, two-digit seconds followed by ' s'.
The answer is 8 h 18 min
